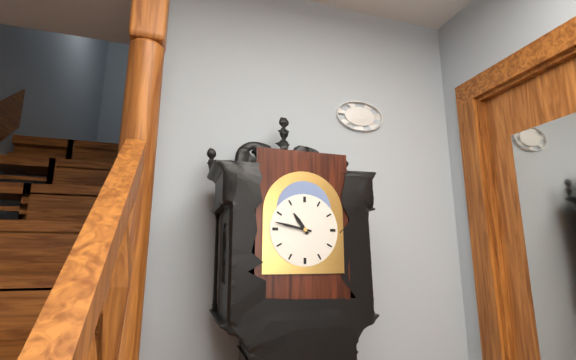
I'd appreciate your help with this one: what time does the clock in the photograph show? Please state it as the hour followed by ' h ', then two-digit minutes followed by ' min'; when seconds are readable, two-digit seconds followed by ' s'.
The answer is 10 h 47 min
